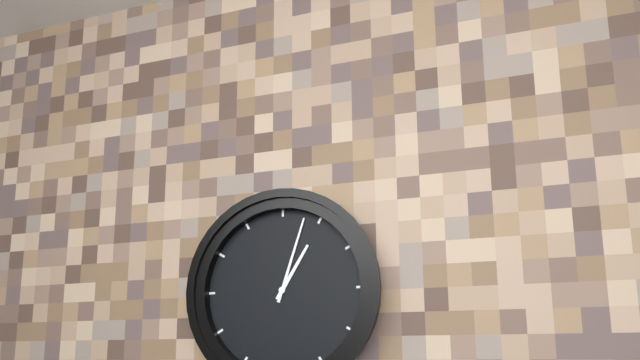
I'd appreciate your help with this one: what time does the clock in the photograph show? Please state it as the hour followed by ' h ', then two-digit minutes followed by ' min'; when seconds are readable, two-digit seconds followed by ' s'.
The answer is 1 h 03 min
